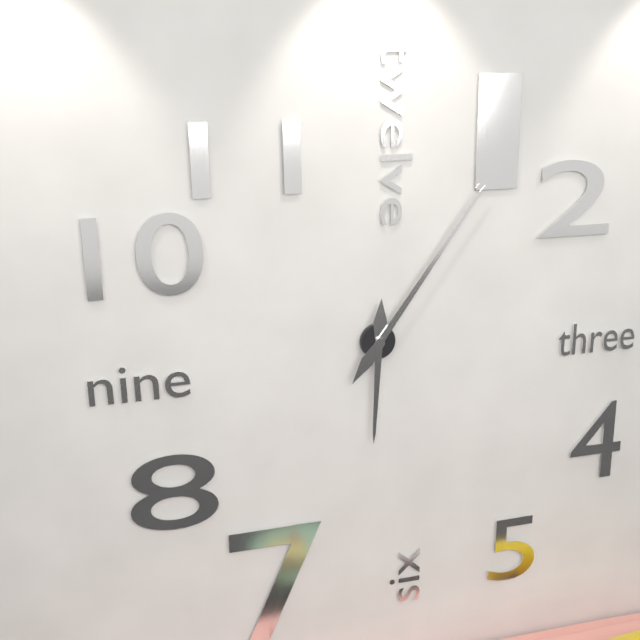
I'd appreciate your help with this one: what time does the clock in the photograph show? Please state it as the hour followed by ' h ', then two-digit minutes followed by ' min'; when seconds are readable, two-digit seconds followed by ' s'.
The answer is 6 h 06 min
